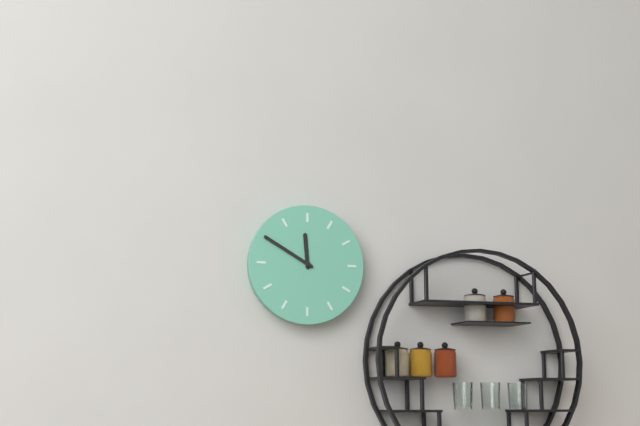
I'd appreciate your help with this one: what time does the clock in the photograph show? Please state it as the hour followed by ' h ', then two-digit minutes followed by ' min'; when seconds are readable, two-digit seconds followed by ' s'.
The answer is 11 h 50 min
